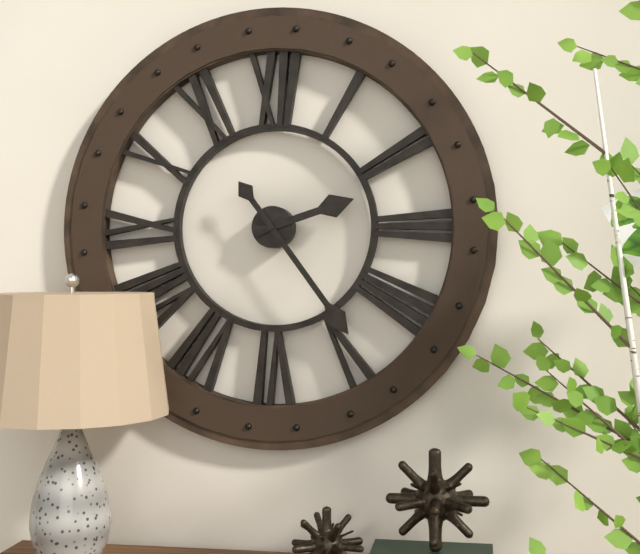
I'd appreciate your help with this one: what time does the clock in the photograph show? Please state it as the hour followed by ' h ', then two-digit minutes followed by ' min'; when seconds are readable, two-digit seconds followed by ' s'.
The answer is 2 h 24 min
